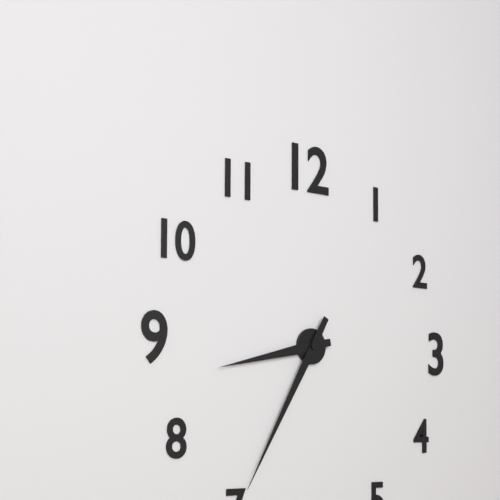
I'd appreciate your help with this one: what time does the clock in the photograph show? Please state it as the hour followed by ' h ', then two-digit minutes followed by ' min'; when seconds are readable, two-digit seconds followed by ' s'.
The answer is 8 h 35 min
